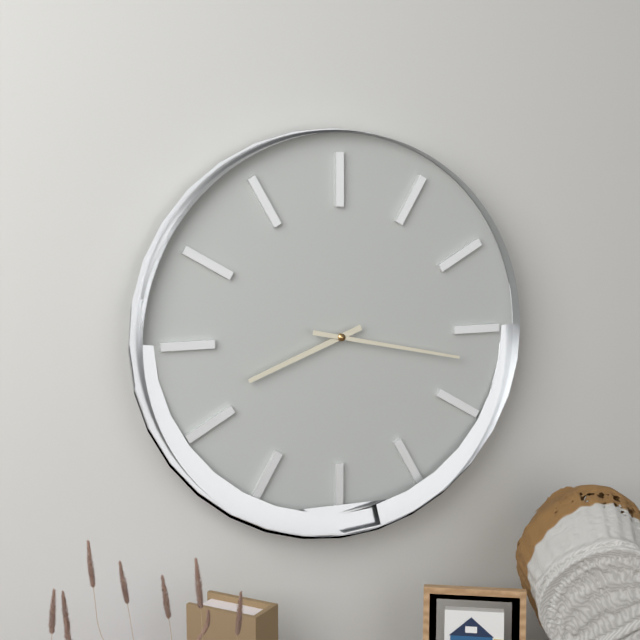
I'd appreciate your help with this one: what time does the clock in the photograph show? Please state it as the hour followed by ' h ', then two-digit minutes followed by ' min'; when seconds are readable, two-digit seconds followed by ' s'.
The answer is 8 h 17 min
